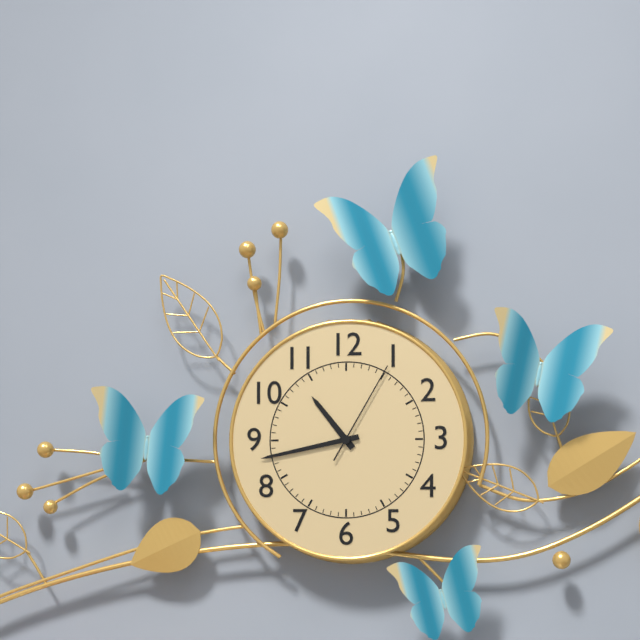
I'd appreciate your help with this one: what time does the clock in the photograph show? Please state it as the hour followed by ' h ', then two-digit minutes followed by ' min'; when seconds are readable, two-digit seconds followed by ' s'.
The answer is 10 h 43 min 05 s
